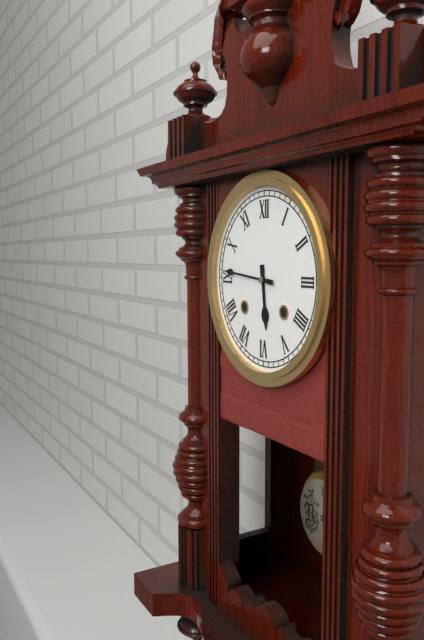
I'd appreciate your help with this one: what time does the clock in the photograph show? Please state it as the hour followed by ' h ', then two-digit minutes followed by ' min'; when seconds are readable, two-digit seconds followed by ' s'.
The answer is 5 h 46 min
